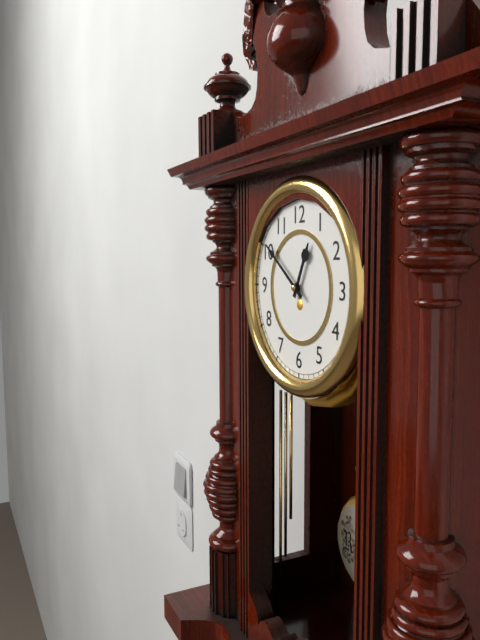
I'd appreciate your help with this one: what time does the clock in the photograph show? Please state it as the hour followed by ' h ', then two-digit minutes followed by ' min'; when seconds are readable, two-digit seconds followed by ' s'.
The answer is 12 h 51 min
